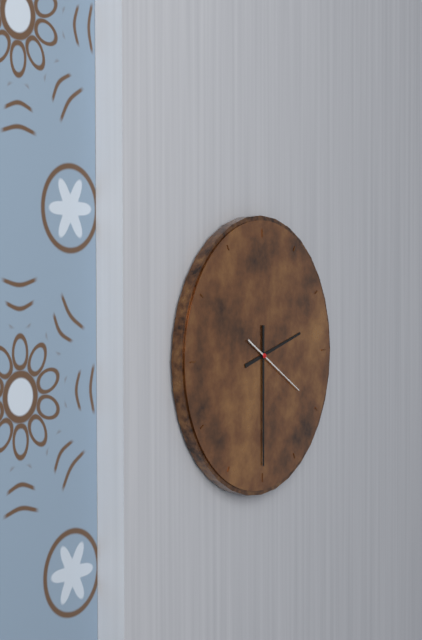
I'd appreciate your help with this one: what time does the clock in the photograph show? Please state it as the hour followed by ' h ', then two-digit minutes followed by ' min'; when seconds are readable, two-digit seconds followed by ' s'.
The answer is 2 h 30 min 20 s
